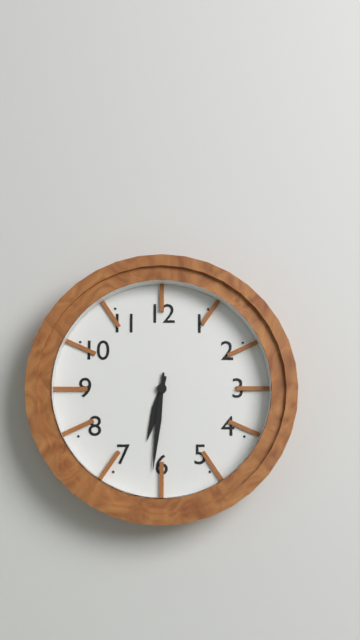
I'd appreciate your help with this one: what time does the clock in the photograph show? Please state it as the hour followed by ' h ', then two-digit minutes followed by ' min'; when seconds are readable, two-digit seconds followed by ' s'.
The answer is 6 h 31 min
